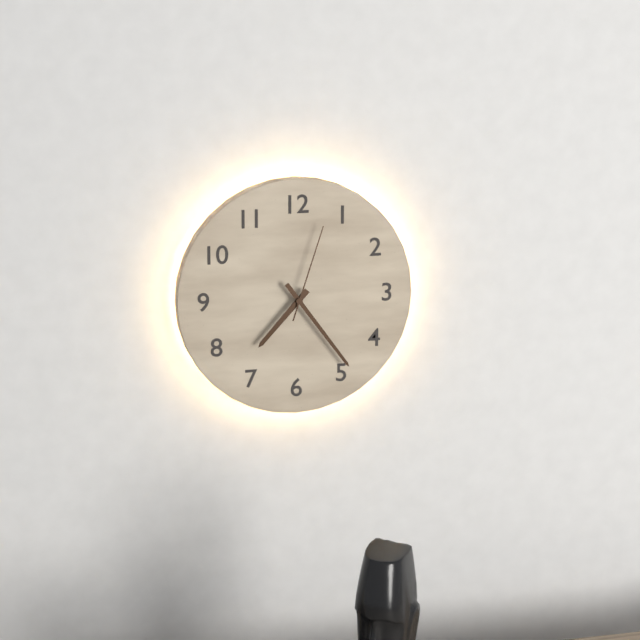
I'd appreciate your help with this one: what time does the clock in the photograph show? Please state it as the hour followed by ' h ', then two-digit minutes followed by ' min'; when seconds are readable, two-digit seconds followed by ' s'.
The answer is 7 h 24 min 03 s
